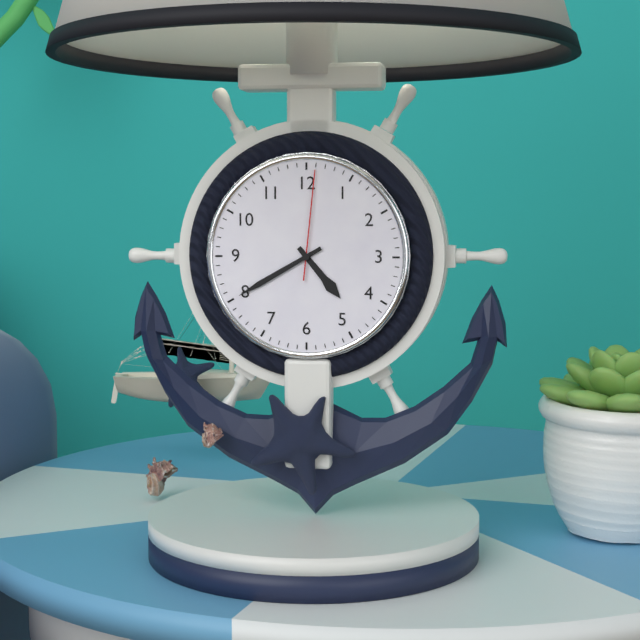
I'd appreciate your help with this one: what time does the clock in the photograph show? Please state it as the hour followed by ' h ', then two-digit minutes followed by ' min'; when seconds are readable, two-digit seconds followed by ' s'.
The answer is 4 h 40 min 01 s
